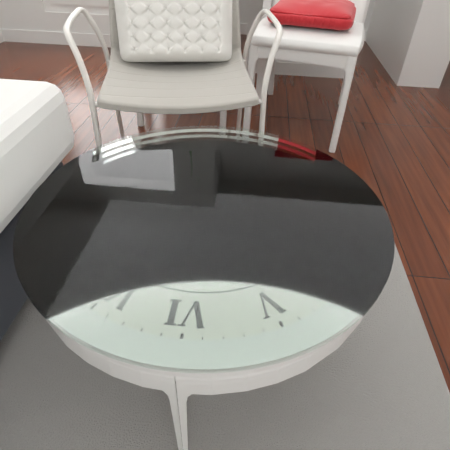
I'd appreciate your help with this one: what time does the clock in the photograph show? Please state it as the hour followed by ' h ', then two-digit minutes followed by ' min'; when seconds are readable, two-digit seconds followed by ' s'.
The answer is 12 h 22 min
